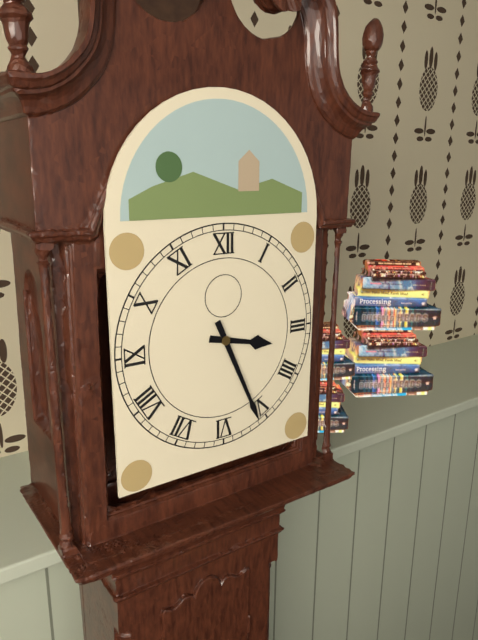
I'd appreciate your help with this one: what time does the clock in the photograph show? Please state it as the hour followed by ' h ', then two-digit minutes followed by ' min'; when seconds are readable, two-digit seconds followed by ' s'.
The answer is 3 h 26 min
